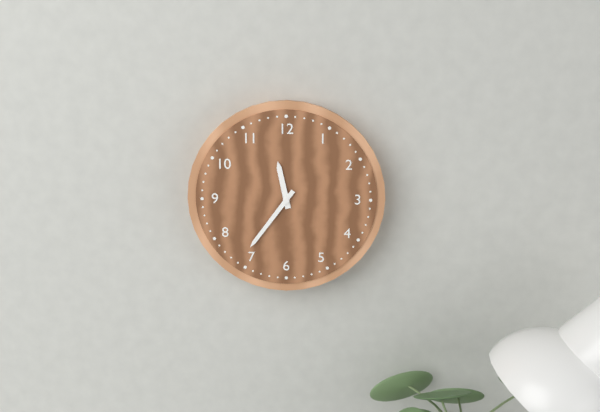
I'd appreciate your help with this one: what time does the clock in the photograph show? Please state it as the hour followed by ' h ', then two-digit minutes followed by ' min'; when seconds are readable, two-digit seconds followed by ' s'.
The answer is 11 h 36 min
